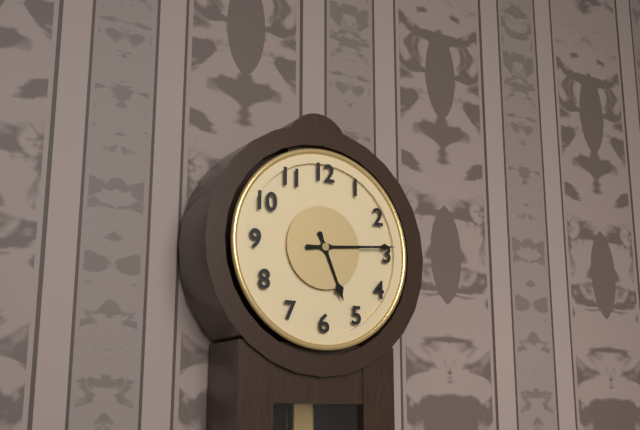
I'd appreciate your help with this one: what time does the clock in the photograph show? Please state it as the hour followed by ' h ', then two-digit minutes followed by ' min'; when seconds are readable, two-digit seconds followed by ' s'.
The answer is 5 h 14 min
